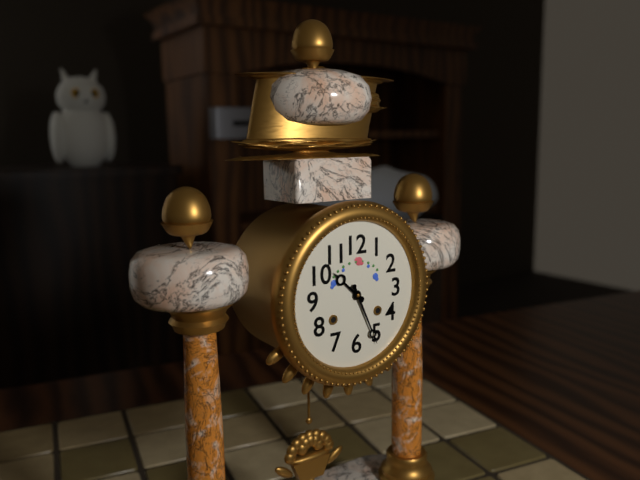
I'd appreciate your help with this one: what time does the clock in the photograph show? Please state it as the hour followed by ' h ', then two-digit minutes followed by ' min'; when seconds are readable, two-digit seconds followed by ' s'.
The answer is 10 h 26 min
